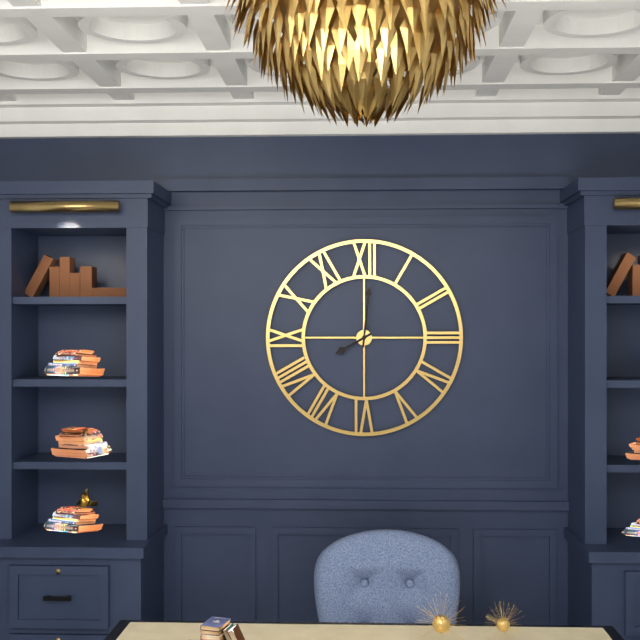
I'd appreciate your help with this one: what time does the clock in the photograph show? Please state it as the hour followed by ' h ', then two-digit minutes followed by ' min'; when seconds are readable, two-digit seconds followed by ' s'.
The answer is 8 h 01 min
